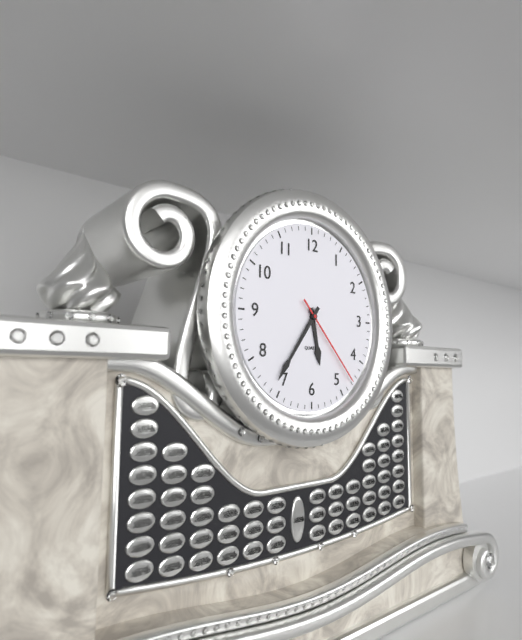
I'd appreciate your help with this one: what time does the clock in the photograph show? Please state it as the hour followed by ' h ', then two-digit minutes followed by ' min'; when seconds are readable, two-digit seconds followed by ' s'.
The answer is 5 h 36 min 23 s
